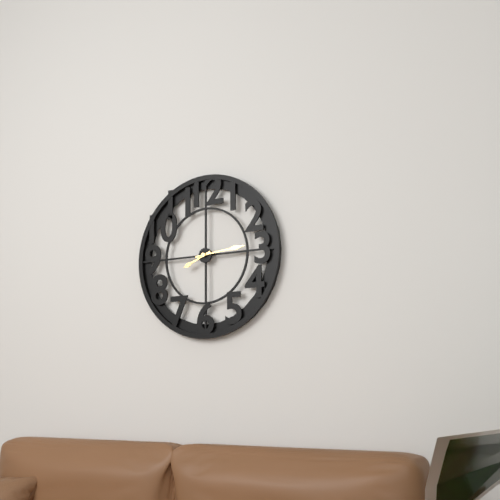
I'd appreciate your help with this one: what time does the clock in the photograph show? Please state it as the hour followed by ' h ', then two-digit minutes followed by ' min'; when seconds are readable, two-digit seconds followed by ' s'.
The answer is 8 h 14 min
